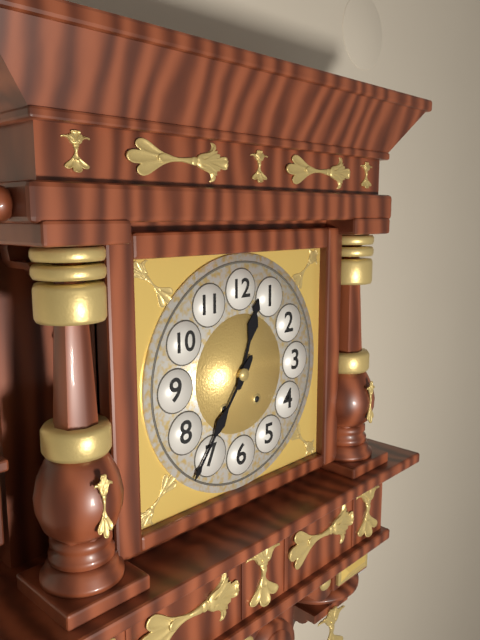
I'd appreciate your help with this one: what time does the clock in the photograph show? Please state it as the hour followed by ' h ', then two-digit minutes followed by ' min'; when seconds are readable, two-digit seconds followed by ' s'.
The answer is 12 h 36 min
